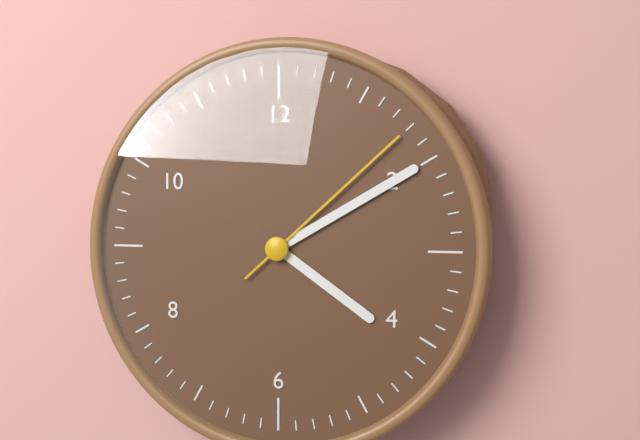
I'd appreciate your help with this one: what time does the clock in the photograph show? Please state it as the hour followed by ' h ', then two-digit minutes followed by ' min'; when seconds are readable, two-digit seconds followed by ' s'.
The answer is 4 h 10 min 08 s
